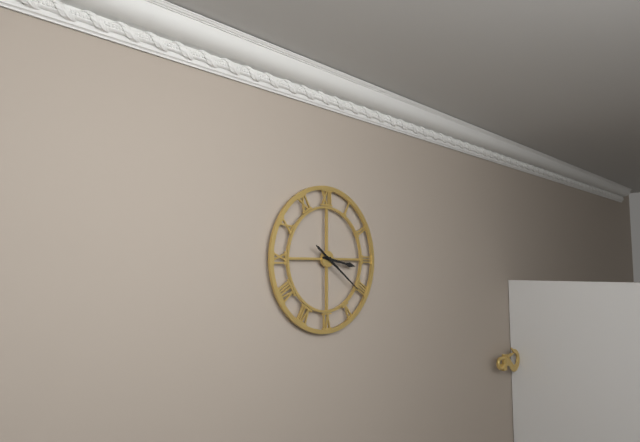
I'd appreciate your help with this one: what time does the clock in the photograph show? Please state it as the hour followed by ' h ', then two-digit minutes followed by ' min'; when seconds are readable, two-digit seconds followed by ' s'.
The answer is 3 h 21 min
